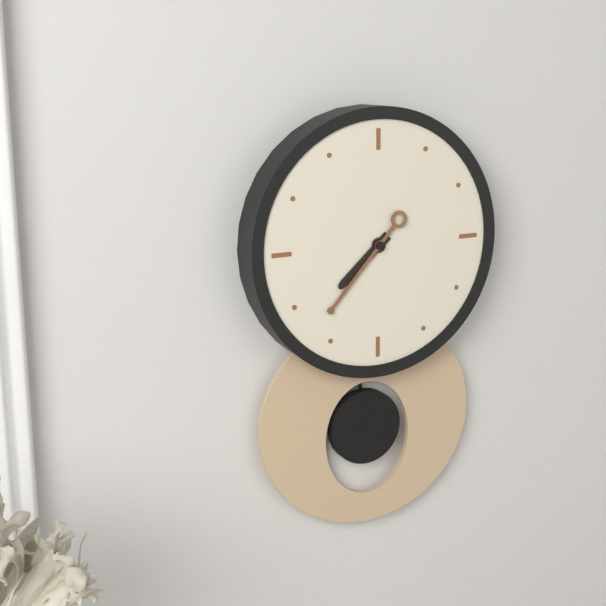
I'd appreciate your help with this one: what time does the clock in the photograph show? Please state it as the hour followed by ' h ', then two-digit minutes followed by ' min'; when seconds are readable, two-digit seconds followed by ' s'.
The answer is 7 h 37 min
